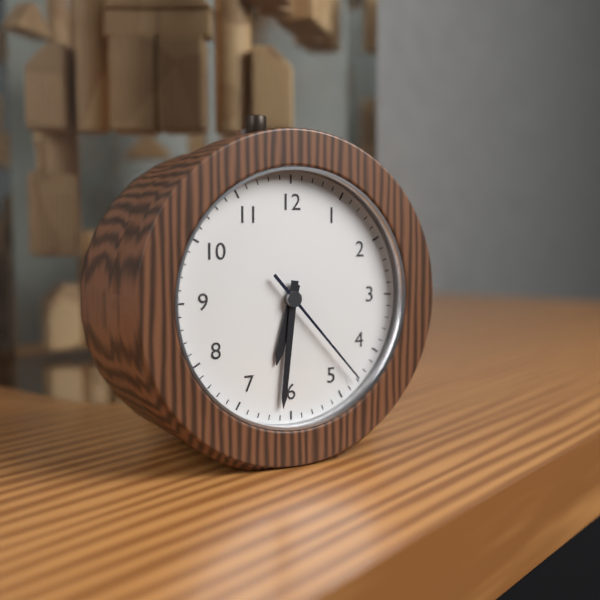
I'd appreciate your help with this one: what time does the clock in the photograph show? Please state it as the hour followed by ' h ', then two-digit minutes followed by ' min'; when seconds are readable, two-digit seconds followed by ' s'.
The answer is 6 h 31 min 23 s
